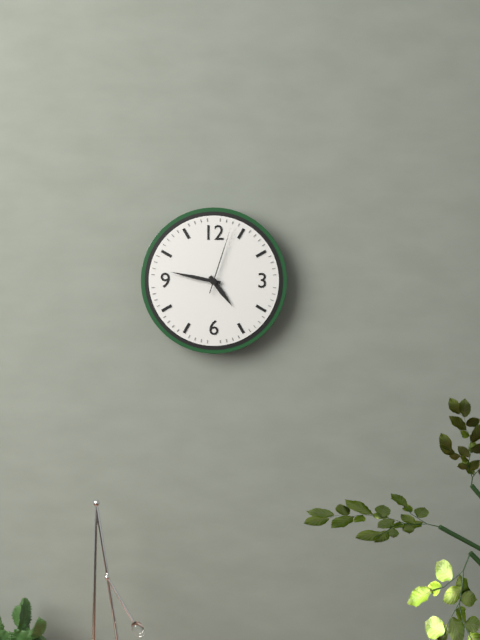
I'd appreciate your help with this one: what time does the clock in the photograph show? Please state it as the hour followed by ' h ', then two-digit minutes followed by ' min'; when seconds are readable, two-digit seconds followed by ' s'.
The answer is 4 h 47 min 03 s
